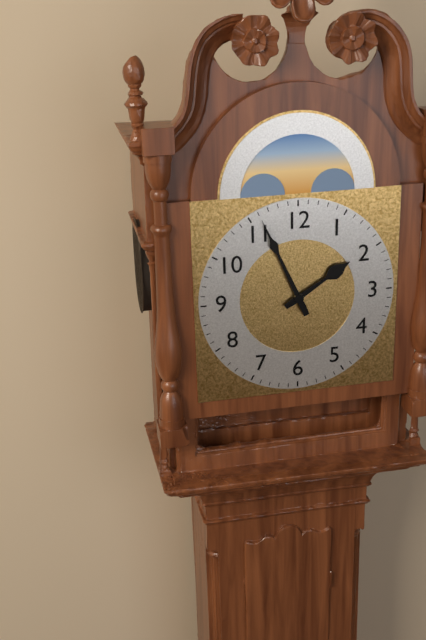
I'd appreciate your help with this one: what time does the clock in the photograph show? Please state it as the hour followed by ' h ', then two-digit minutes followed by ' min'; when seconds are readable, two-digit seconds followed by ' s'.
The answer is 1 h 56 min
